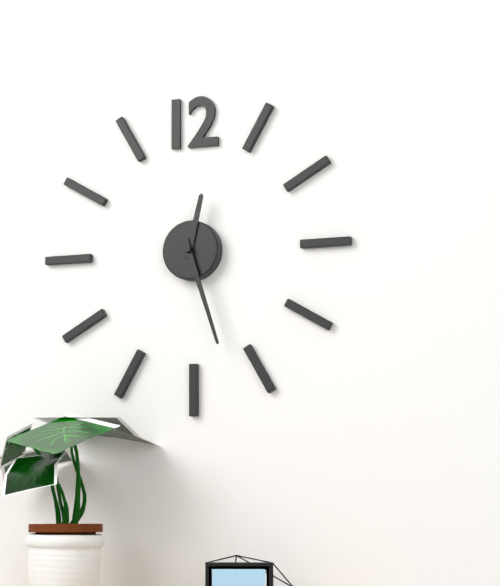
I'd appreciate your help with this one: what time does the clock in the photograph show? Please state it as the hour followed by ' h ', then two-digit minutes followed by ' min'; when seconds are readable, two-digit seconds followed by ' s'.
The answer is 12 h 27 min
